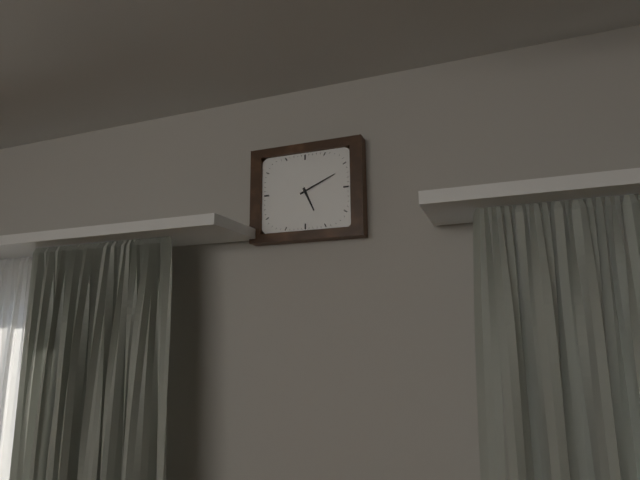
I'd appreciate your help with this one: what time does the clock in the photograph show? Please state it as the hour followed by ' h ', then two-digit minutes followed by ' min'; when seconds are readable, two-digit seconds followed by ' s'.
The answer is 5 h 11 min
